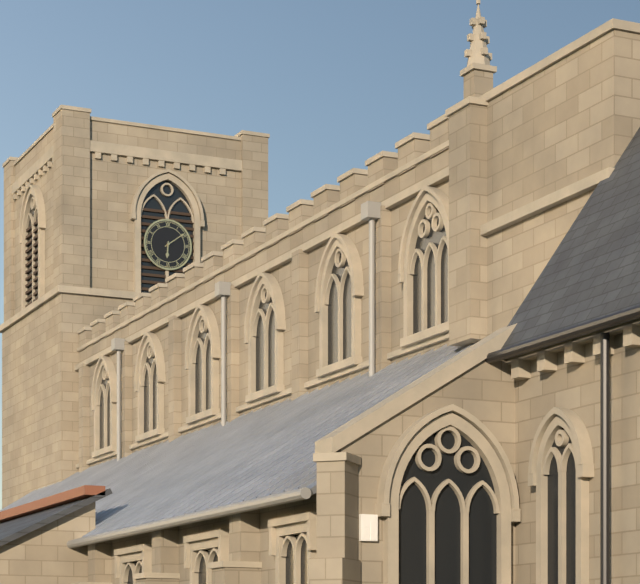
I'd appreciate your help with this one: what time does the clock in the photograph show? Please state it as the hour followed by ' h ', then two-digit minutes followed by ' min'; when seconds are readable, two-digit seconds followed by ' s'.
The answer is 6 h 09 min
